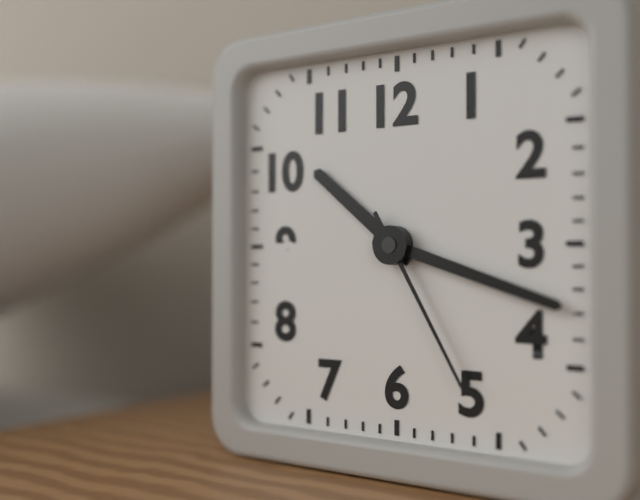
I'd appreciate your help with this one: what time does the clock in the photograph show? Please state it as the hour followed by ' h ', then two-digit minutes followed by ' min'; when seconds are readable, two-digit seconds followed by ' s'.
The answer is 10 h 18 min 25 s
